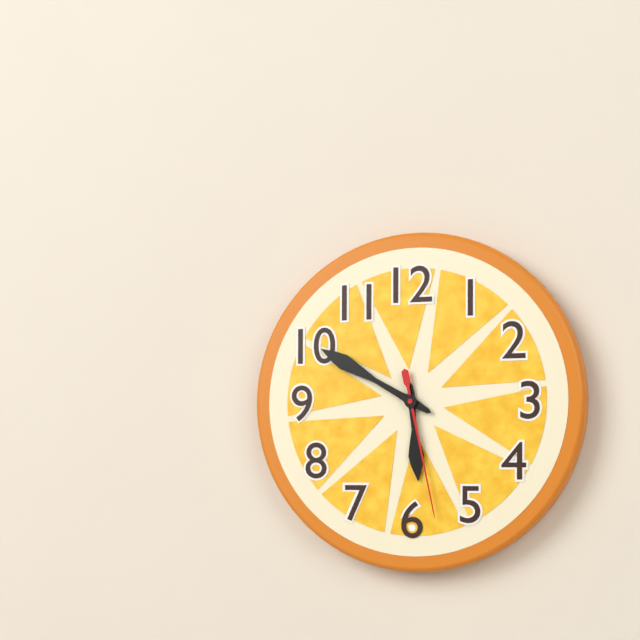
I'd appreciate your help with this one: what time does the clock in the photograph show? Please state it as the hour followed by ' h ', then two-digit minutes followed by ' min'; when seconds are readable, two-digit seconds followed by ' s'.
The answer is 5 h 50 min 28 s
